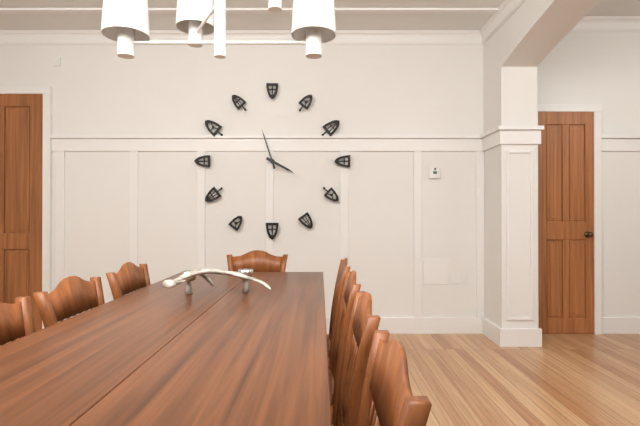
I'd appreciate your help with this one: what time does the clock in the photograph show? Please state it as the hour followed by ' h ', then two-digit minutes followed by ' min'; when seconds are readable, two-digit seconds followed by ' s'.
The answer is 3 h 57 min
